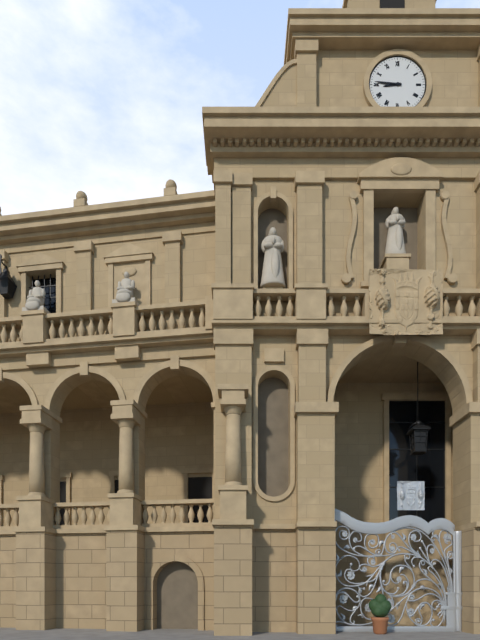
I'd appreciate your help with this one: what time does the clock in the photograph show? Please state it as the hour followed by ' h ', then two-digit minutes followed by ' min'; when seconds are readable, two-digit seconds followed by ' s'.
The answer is 8 h 46 min
